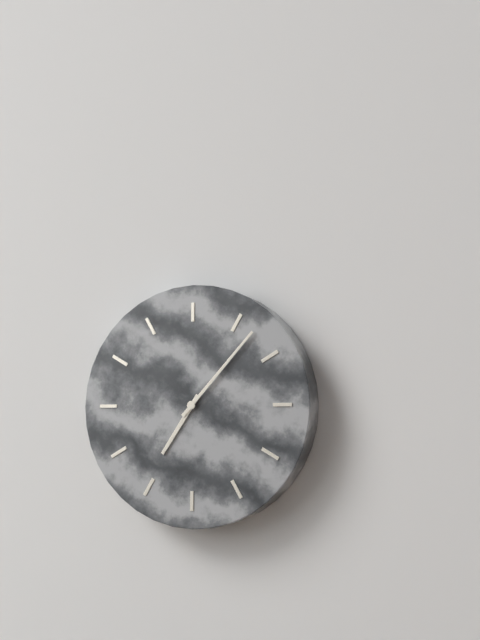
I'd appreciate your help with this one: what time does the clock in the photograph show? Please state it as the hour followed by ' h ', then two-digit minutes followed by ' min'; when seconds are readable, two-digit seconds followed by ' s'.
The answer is 7 h 07 min
